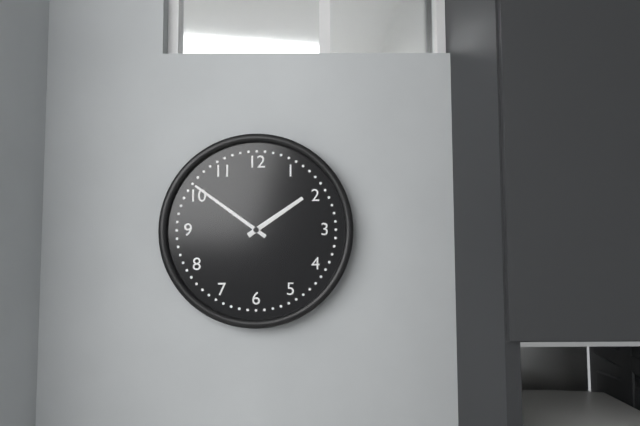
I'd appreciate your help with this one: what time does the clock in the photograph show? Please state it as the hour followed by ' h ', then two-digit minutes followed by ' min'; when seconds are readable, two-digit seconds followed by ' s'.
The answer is 1 h 51 min
